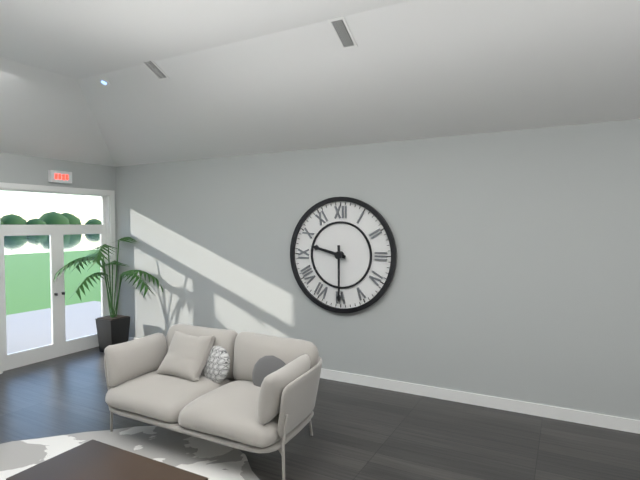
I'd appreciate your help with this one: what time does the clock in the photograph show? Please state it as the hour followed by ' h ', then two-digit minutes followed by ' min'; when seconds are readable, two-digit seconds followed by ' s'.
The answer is 9 h 30 min
